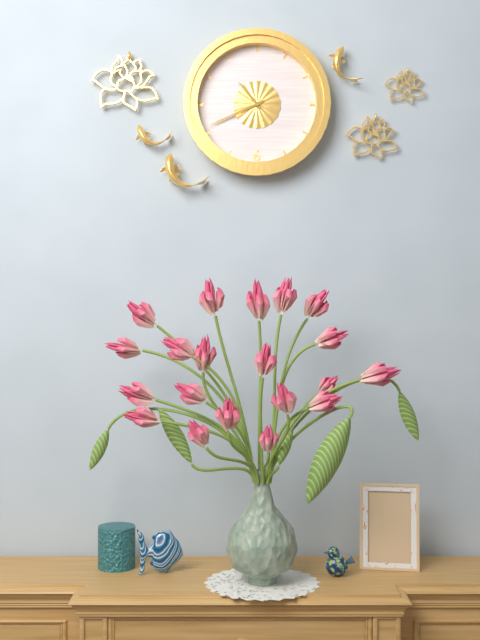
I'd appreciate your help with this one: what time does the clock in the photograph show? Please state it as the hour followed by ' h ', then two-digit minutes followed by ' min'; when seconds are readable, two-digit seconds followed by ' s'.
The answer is 10 h 41 min
